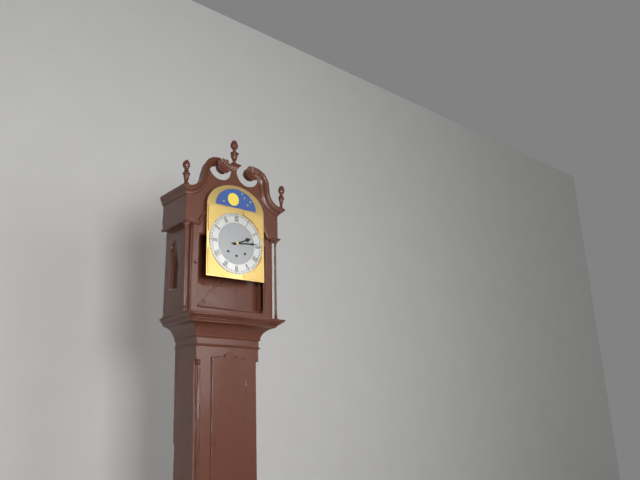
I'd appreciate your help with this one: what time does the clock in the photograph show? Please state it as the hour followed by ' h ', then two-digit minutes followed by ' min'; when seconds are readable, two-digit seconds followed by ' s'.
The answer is 2 h 14 min
